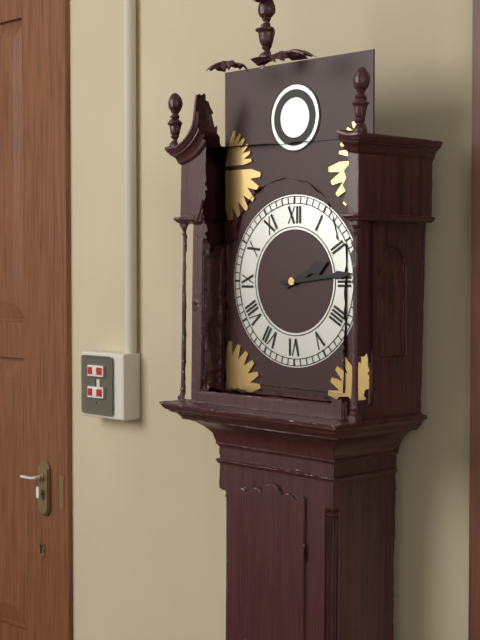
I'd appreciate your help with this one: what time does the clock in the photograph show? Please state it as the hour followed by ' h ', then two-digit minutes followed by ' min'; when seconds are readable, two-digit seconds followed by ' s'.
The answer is 2 h 14 min
